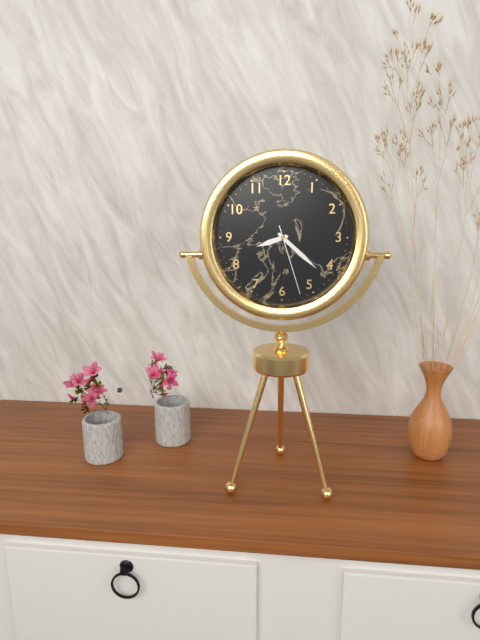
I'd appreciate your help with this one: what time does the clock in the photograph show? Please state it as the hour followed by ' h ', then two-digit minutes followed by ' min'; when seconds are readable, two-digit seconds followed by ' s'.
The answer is 8 h 22 min 27 s
